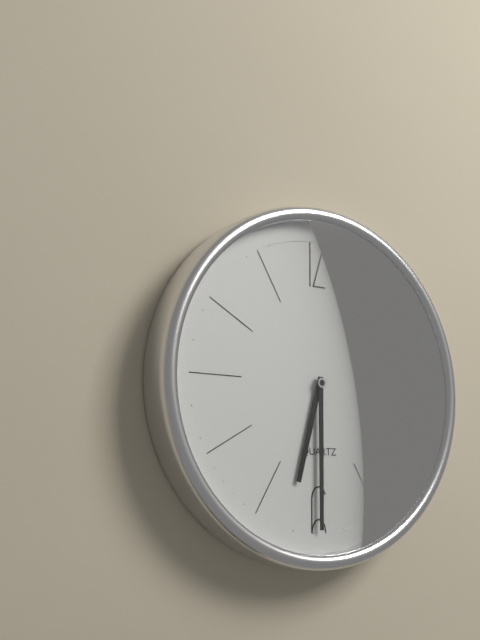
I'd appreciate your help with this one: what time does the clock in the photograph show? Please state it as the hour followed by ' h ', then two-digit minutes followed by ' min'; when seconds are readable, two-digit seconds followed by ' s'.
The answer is 6 h 30 min
